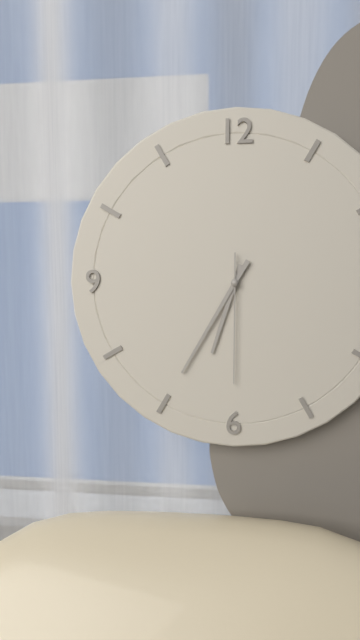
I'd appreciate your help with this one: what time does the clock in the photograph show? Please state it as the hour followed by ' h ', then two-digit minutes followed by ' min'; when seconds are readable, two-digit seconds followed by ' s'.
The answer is 6 h 35 min 30 s
